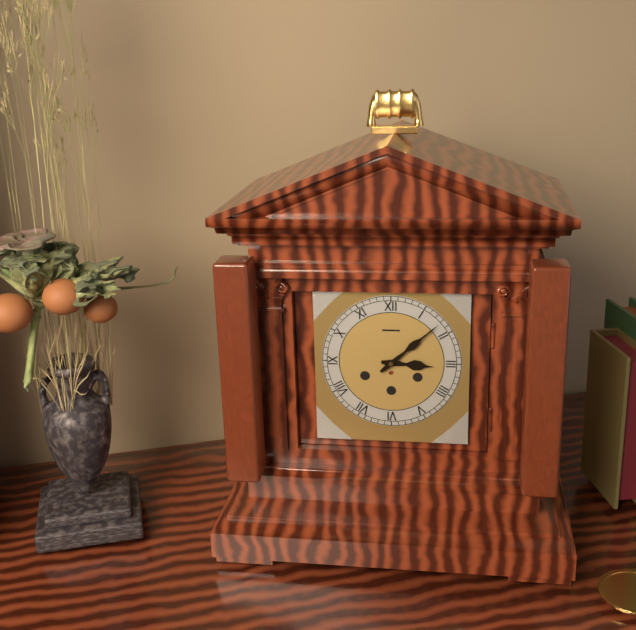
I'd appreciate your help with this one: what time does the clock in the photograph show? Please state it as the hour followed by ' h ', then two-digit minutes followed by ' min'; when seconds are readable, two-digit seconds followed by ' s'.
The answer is 3 h 08 min
